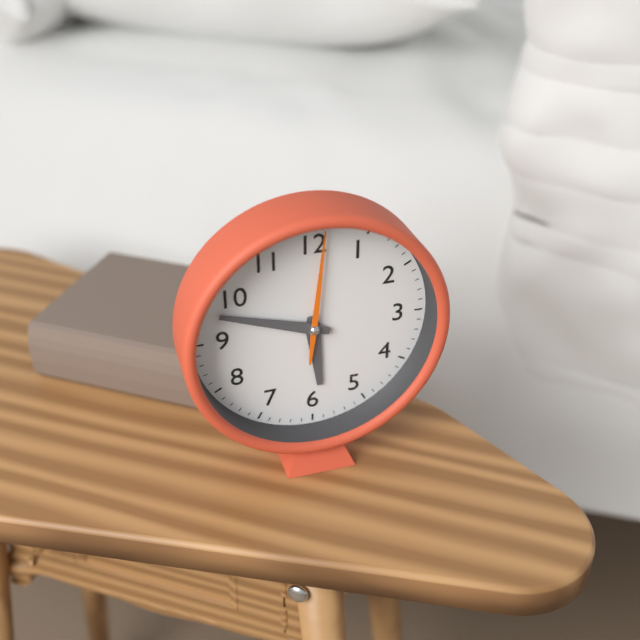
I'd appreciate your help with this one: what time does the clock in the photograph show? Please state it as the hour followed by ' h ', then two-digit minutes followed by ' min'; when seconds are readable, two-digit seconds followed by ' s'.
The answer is 5 h 48 min 01 s
